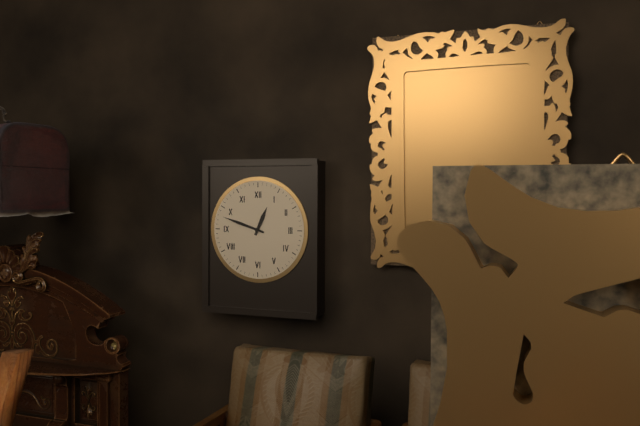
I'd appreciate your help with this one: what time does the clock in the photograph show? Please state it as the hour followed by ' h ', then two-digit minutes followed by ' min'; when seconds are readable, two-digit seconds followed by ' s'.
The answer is 12 h 48 min
